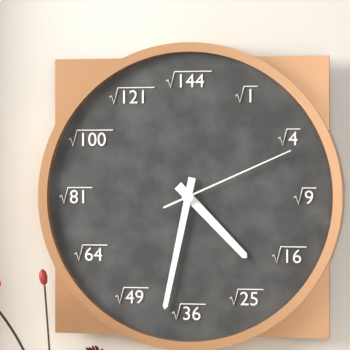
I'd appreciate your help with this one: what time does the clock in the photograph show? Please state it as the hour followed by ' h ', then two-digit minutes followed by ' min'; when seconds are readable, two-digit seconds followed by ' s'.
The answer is 4 h 32 min 11 s
